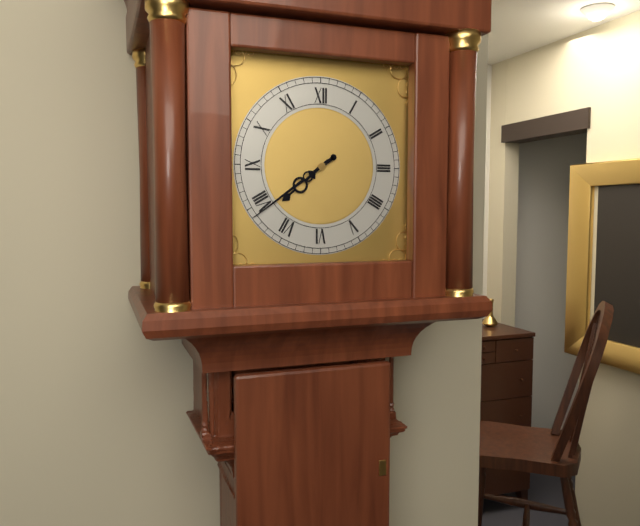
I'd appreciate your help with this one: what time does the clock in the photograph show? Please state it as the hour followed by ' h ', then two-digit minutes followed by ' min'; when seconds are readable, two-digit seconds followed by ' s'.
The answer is 7 h 39 min
